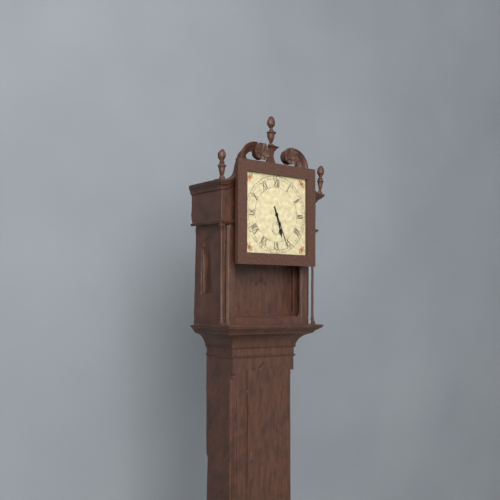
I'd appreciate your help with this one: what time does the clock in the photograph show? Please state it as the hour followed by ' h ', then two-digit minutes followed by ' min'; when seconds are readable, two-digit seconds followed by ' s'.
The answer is 5 h 26 min
